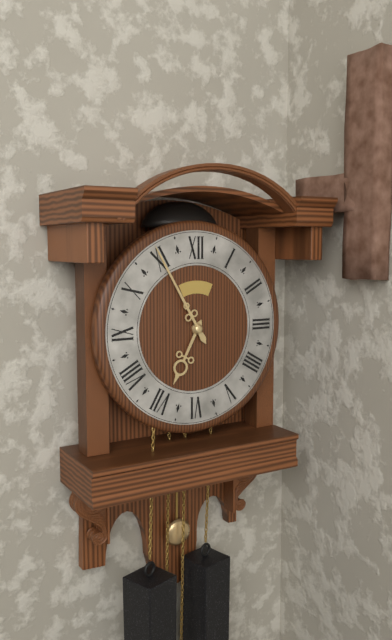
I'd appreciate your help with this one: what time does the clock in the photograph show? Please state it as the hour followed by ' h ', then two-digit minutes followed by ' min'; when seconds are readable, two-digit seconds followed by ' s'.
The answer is 6 h 55 min
